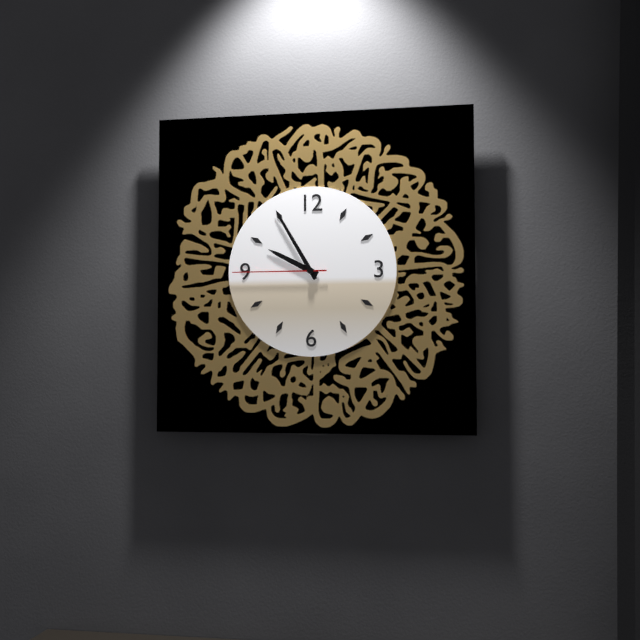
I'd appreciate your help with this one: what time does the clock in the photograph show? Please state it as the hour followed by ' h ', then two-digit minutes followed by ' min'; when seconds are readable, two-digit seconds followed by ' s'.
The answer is 9 h 55 min 45 s
